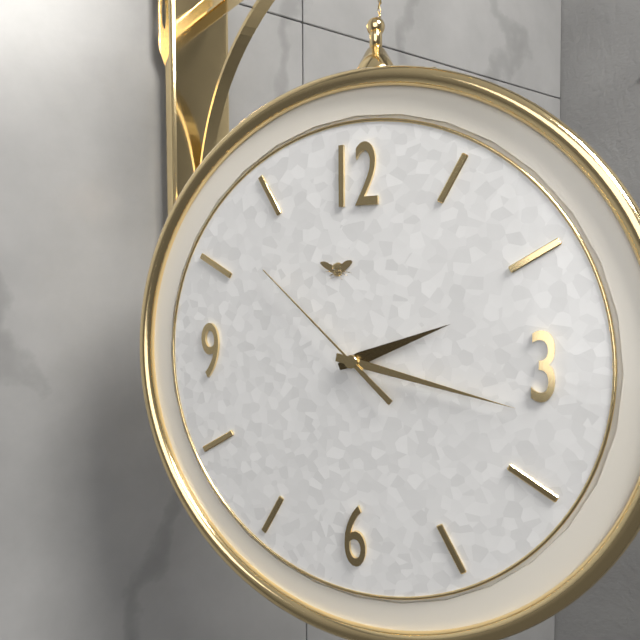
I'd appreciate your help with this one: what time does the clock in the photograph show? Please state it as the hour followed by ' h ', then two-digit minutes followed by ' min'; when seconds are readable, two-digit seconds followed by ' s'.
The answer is 2 h 17 min 52 s
